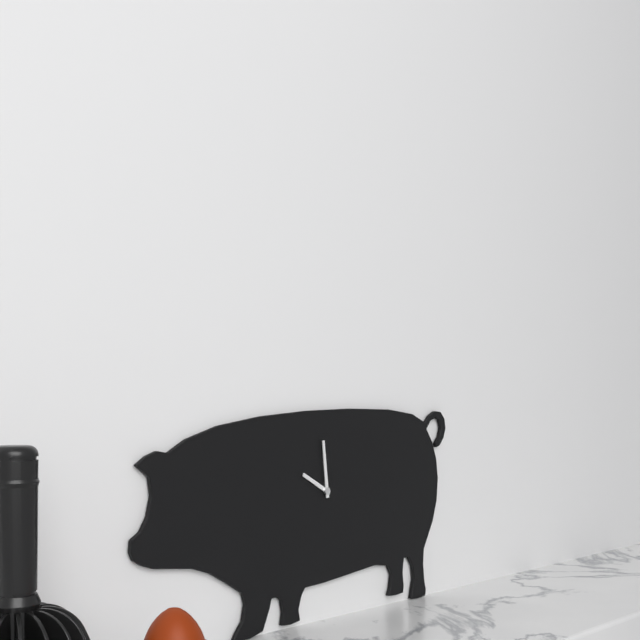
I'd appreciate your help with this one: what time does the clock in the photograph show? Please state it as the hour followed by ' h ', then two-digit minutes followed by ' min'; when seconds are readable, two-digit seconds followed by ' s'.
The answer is 9 h 59 min
